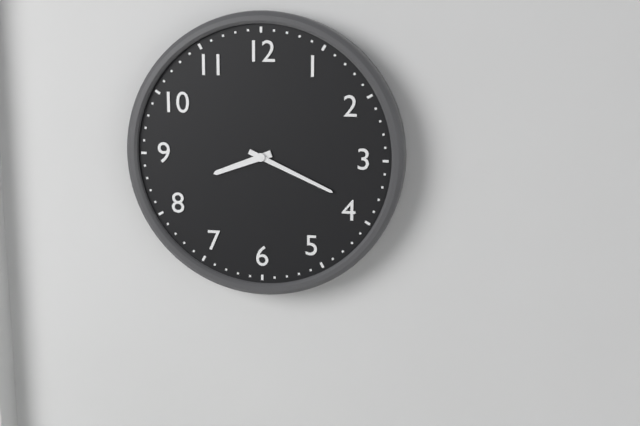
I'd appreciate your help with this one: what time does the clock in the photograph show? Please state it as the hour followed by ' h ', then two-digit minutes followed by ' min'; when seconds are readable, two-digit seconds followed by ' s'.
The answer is 8 h 19 min
